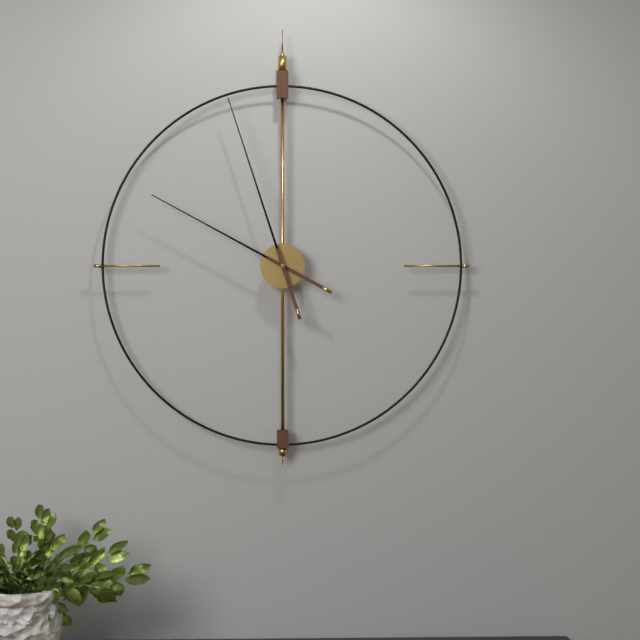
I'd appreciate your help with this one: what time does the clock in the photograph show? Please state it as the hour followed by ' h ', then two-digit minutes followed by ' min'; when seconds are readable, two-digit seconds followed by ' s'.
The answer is 9 h 57 min
